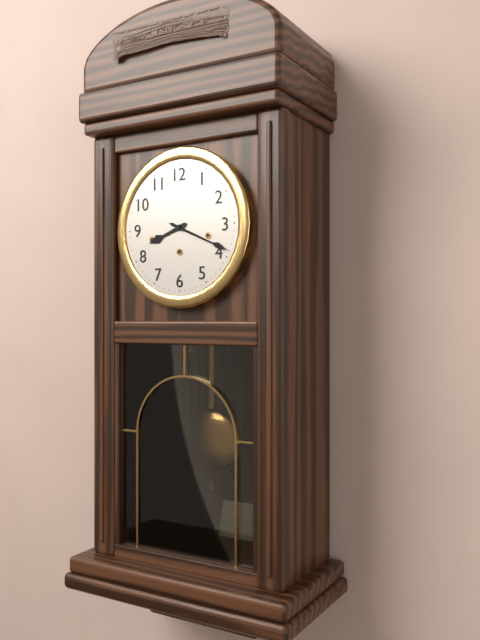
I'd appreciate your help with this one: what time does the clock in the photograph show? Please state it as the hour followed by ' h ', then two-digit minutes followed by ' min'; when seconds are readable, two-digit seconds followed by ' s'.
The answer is 8 h 19 min
